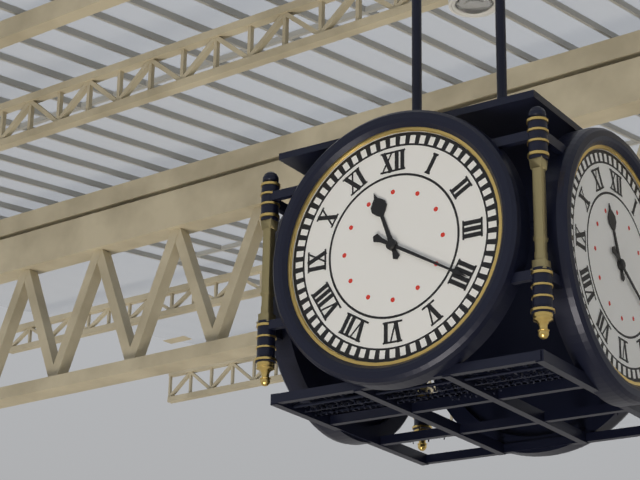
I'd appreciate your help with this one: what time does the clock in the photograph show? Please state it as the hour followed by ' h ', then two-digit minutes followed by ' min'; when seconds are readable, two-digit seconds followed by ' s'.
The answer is 11 h 20 min
